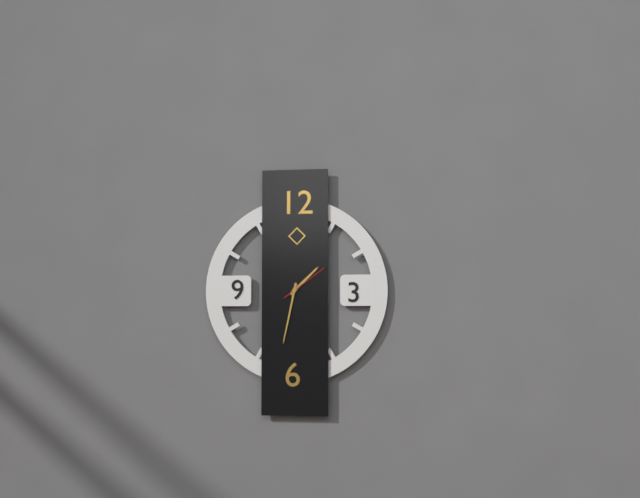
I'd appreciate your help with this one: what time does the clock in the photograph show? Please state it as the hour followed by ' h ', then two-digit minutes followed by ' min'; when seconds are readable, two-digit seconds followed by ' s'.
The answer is 1 h 32 min
